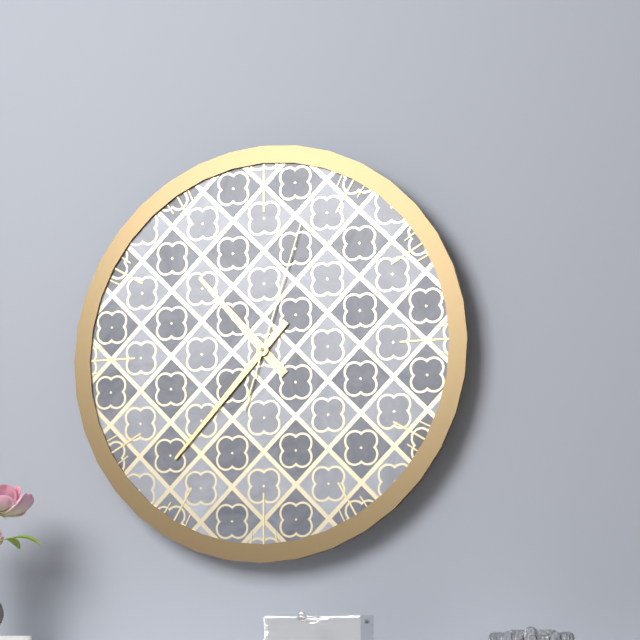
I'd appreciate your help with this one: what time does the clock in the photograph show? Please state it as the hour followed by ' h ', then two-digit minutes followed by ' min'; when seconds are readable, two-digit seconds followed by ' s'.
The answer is 10 h 37 min 03 s
